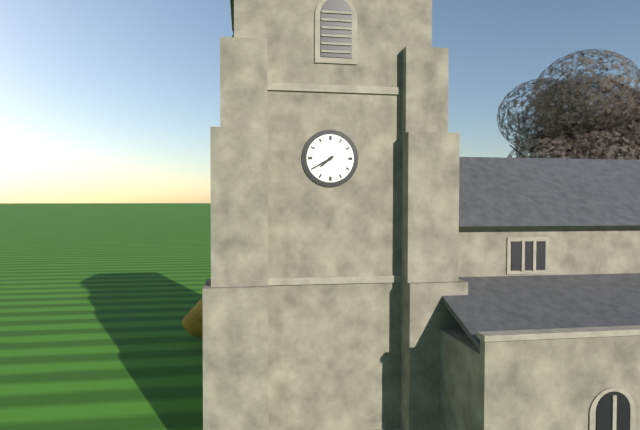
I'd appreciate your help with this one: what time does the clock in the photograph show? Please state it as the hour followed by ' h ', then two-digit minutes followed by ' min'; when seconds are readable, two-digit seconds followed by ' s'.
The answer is 7 h 40 min
